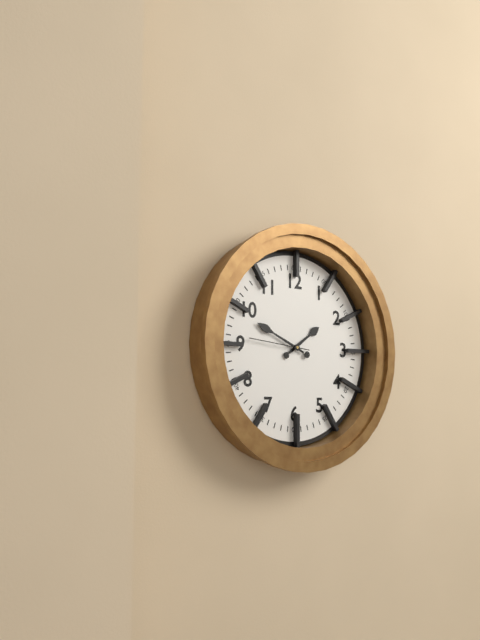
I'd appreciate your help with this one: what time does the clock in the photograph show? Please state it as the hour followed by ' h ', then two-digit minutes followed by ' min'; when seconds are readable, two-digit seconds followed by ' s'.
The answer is 1 h 49 min 46 s
